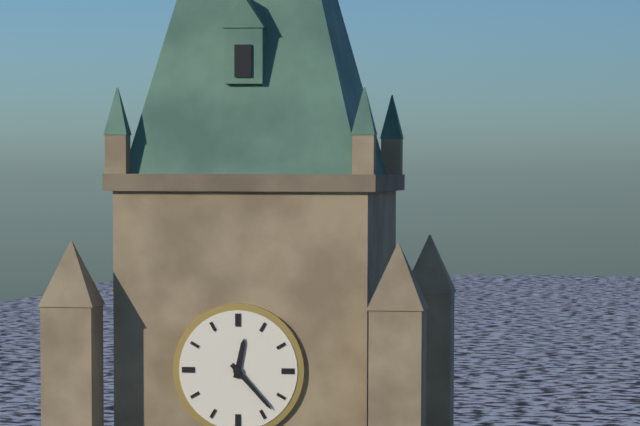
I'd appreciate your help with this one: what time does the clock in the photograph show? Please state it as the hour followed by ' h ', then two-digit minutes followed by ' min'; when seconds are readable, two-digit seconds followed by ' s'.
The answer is 12 h 23 min
